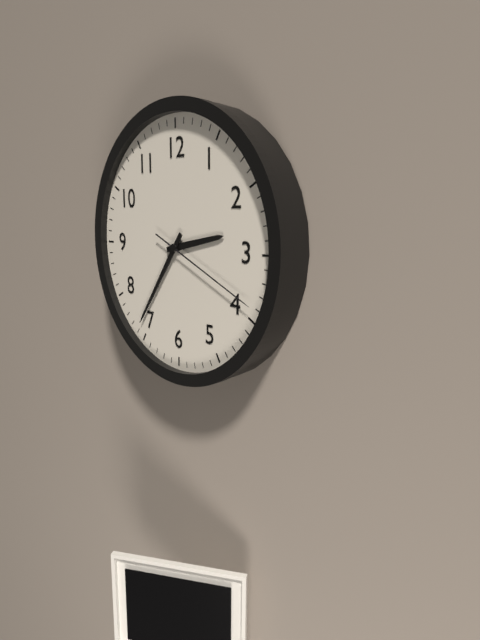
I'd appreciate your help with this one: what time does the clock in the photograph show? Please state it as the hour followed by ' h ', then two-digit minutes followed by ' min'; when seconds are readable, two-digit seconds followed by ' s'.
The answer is 2 h 36 min 19 s
